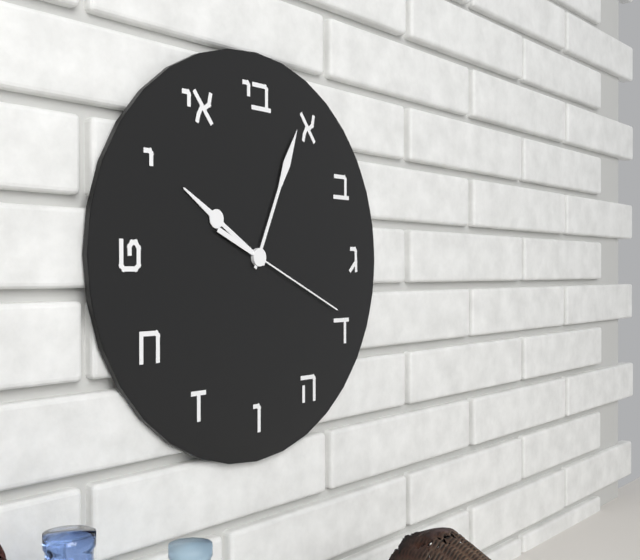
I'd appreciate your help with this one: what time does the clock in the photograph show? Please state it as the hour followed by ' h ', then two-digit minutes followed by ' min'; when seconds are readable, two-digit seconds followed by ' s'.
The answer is 10 h 04 min 19 s
